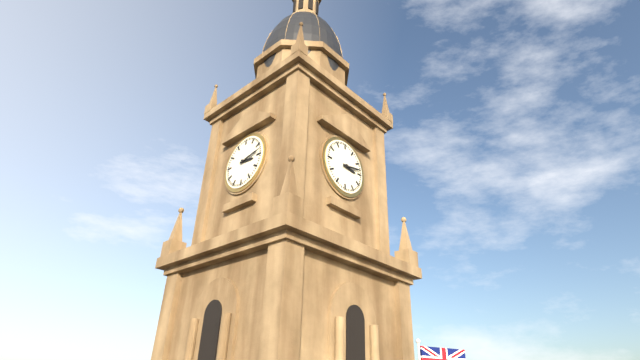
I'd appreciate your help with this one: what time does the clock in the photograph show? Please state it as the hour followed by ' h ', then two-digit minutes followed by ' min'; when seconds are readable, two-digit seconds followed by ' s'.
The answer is 3 h 13 min
